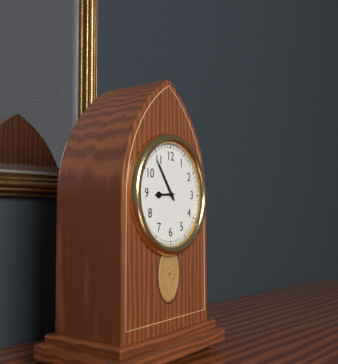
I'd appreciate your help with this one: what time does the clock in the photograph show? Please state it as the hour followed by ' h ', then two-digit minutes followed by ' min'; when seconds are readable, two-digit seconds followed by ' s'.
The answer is 8 h 54 min
